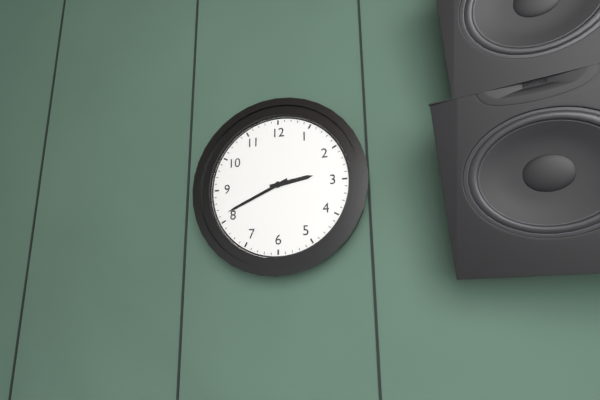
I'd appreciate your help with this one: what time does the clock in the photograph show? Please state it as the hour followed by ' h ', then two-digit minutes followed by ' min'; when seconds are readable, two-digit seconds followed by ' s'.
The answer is 2 h 41 min
